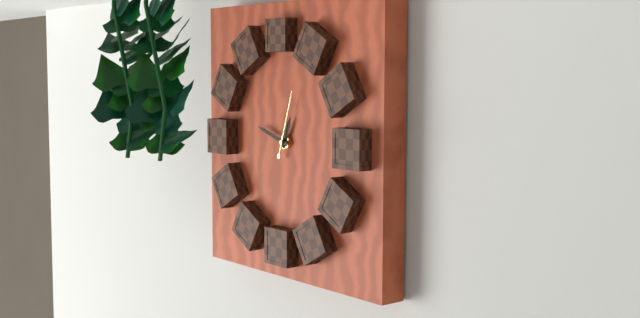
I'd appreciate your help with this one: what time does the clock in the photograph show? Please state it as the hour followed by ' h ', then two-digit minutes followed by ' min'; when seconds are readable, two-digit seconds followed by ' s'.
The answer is 12 h 48 min 03 s
